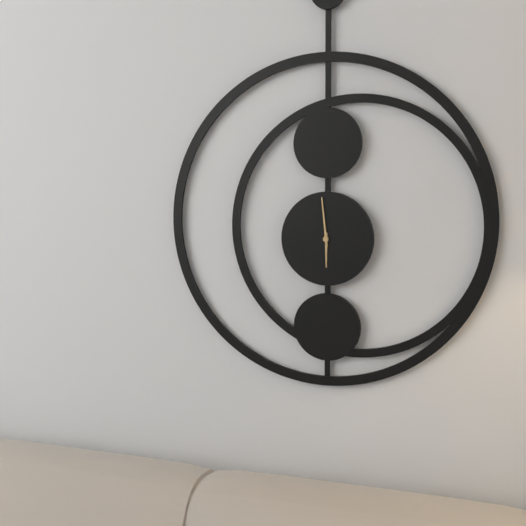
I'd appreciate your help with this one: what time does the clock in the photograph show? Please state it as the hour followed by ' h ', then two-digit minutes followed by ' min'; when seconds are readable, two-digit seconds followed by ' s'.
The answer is 5 h 59 min
